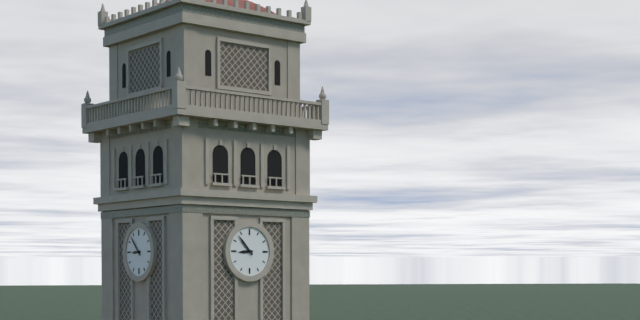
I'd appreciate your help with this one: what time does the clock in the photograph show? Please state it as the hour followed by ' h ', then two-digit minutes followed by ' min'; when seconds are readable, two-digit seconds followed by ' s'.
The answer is 8 h 53 min
